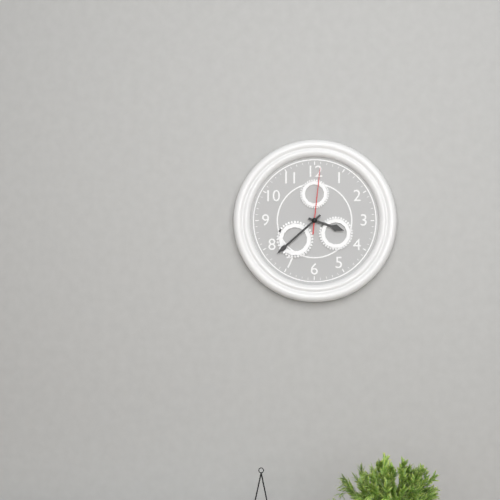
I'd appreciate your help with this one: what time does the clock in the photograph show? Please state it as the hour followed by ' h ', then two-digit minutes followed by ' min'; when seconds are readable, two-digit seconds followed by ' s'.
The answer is 3 h 38 min 01 s
